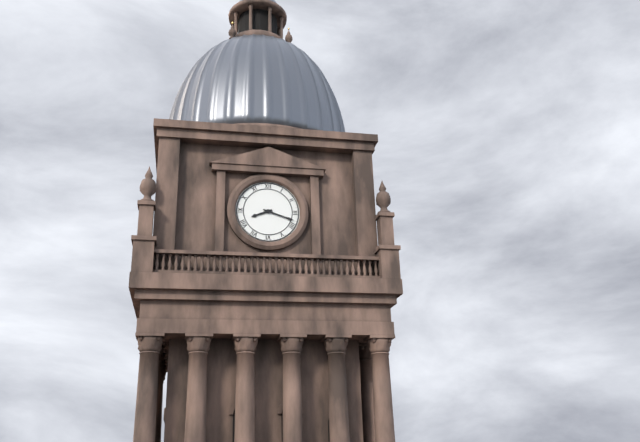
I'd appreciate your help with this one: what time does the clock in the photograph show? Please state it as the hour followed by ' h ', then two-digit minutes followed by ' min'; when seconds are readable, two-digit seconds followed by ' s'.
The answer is 8 h 18 min
